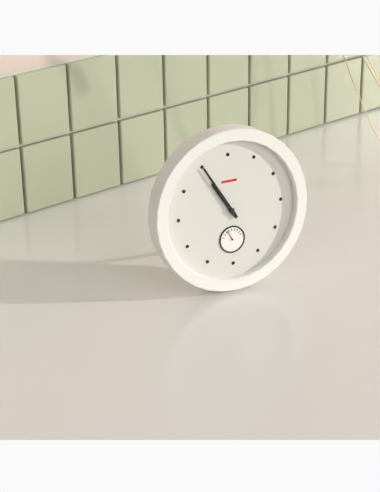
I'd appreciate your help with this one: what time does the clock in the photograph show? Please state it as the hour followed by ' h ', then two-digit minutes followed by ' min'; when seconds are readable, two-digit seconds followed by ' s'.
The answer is 10 h 55 min
